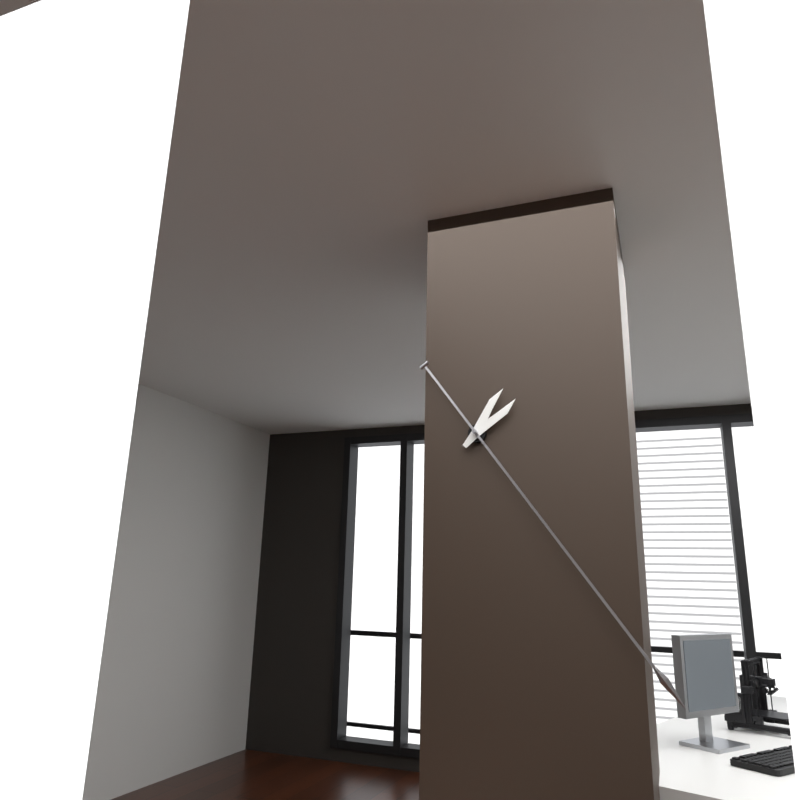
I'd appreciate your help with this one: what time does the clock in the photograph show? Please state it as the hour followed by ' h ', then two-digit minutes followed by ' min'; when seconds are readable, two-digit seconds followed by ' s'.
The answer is 1 h 24 min
